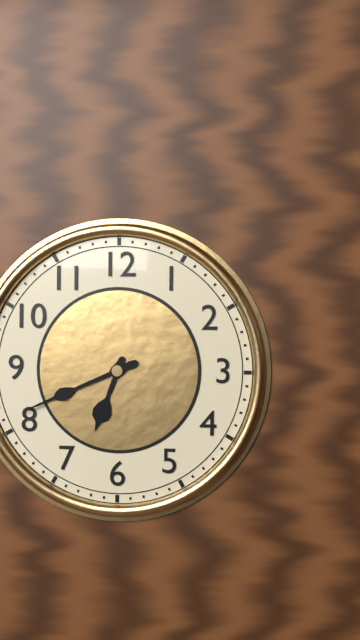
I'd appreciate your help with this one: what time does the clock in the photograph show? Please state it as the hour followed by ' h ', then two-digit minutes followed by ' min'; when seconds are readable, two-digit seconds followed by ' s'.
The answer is 6 h 41 min
